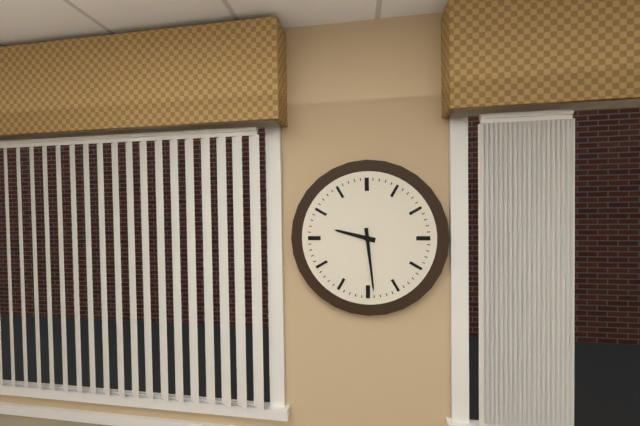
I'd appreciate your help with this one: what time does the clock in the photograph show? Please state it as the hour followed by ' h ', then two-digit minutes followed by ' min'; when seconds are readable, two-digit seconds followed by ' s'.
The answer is 9 h 29 min
